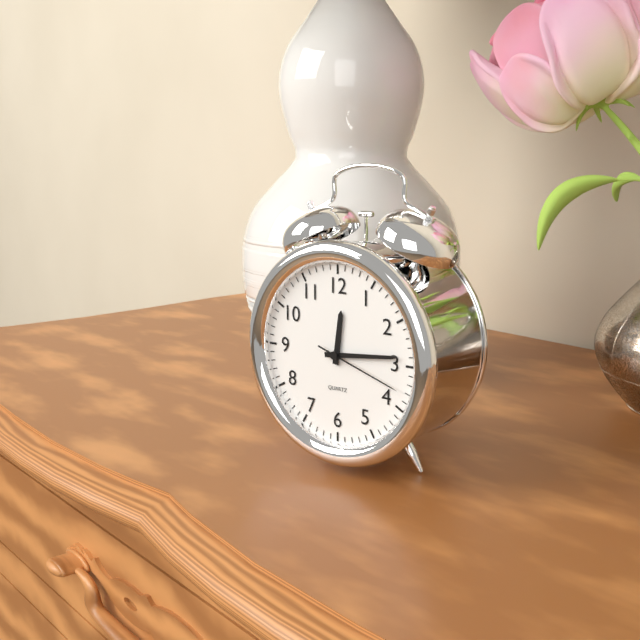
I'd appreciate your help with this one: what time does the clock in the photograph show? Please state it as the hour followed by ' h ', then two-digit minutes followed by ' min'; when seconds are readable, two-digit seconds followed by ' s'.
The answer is 12 h 14 min 18 s
